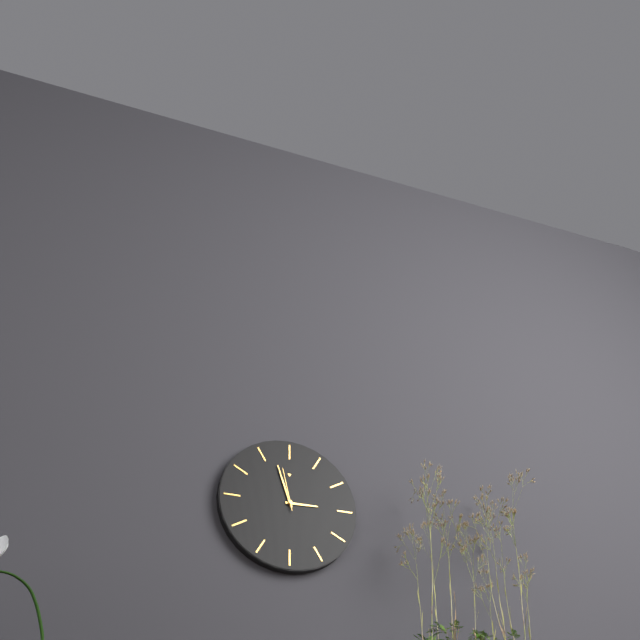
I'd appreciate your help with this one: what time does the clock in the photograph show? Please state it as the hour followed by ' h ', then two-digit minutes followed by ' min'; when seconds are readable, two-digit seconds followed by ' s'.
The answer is 2 h 57 min
